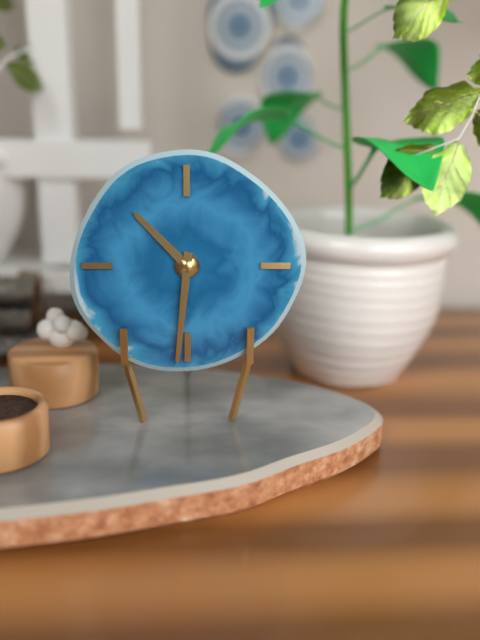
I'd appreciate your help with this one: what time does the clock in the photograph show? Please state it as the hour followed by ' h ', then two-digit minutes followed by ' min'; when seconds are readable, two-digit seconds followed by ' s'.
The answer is 10 h 31 min
